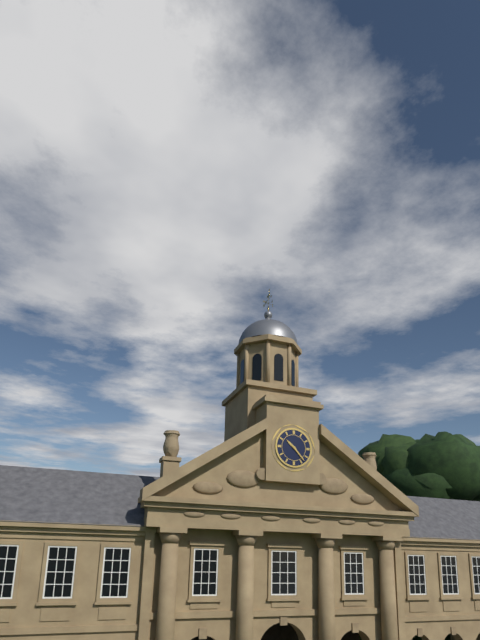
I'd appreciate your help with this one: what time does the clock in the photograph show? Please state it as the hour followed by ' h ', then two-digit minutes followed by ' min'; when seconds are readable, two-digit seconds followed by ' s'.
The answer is 10 h 23 min
